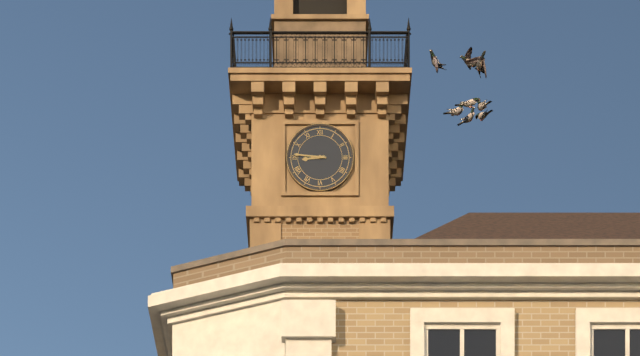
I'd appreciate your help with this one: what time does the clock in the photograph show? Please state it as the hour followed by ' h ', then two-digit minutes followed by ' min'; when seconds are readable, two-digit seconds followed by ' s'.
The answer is 8 h 46 min
